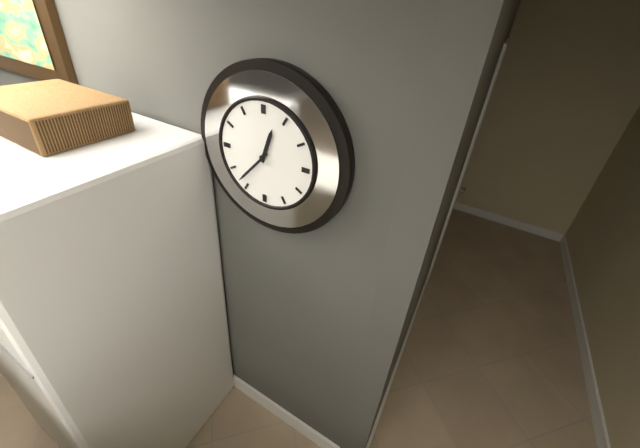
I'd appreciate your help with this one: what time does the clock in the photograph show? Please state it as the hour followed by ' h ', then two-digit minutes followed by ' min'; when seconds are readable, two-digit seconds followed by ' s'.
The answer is 12 h 37 min
